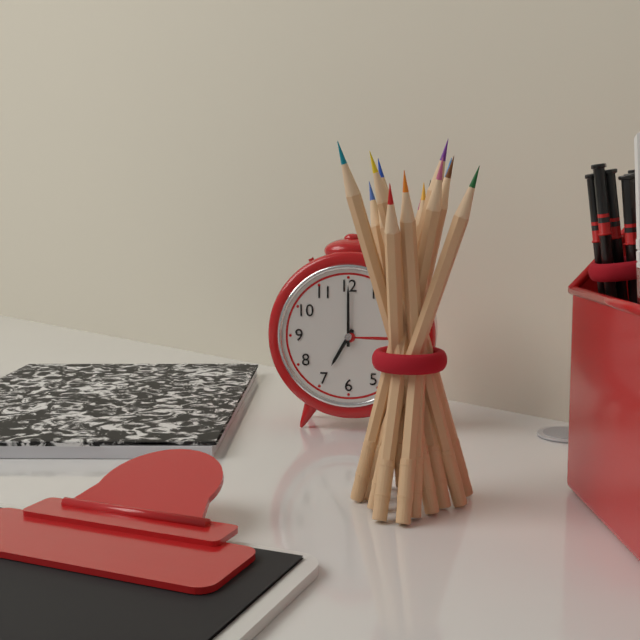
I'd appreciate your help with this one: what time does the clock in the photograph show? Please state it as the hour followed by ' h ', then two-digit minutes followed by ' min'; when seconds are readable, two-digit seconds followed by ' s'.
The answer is 7 h 00 min
